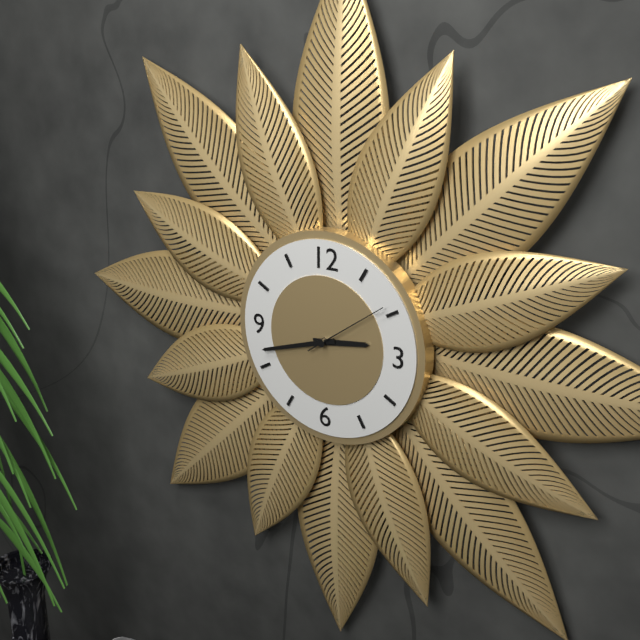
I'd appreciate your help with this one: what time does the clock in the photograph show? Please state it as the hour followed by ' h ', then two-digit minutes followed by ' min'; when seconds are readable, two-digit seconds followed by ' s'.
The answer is 2 h 42 min 09 s
